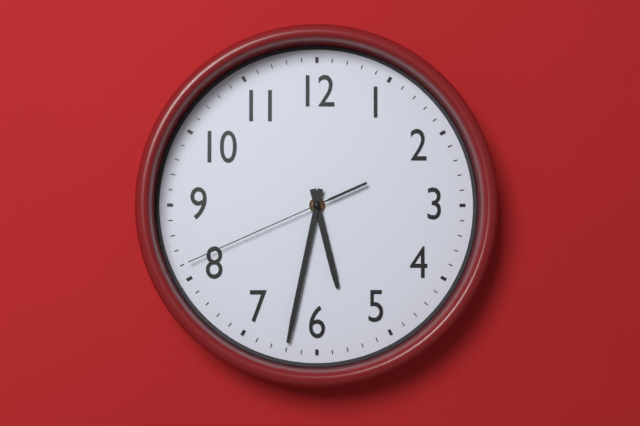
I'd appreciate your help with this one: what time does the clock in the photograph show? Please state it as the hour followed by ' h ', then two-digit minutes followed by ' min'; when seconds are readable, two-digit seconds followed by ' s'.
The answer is 5 h 32 min 41 s
